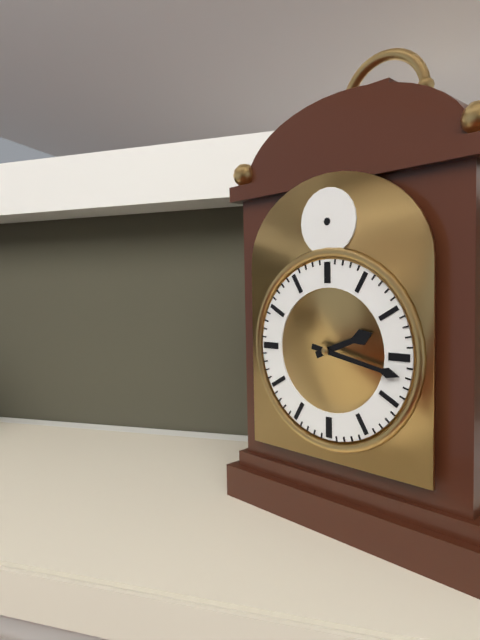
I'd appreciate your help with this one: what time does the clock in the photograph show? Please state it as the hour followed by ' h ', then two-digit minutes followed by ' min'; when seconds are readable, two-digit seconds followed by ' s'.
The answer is 2 h 17 min
